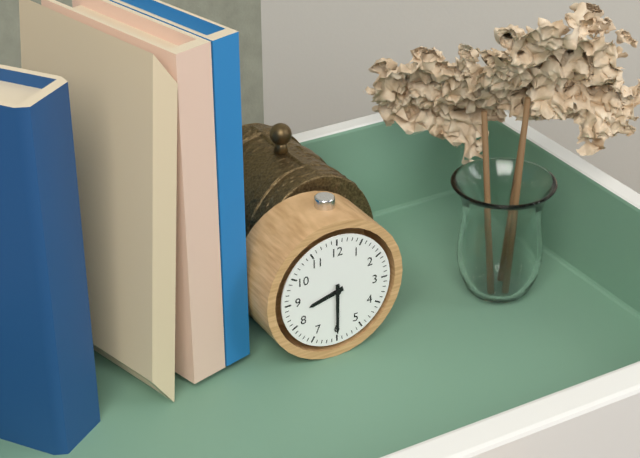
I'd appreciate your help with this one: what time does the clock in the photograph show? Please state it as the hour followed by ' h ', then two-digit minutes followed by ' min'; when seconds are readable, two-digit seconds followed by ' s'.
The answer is 8 h 30 min
